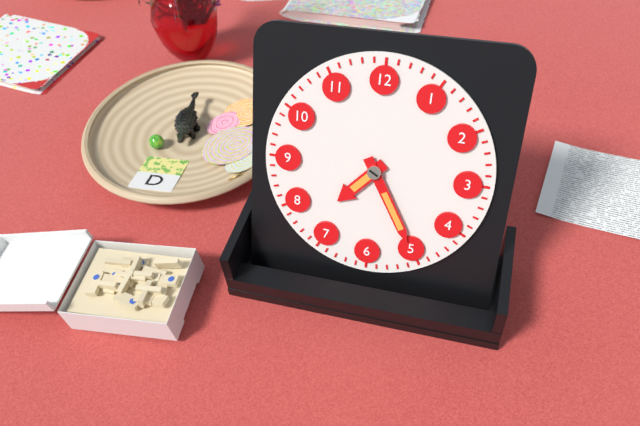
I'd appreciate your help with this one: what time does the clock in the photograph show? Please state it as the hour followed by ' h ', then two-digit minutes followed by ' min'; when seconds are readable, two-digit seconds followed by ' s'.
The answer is 7 h 25 min
